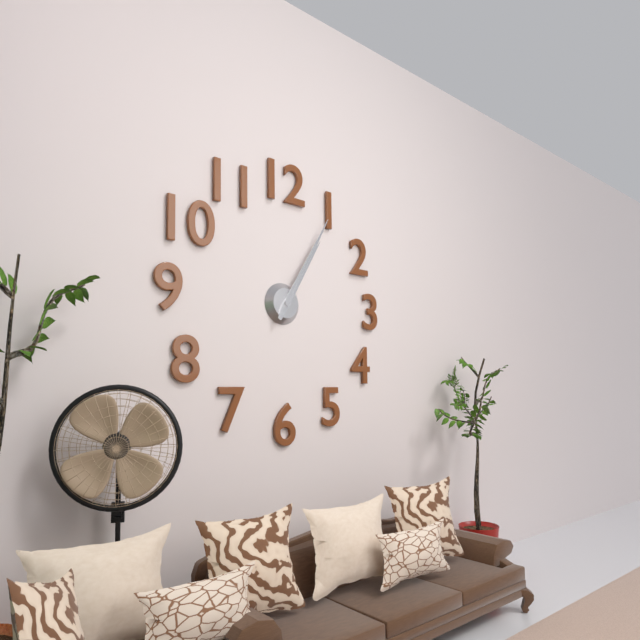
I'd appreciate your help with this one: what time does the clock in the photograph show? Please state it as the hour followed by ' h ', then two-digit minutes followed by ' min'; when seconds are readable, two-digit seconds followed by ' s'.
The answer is 1 h 05 min
